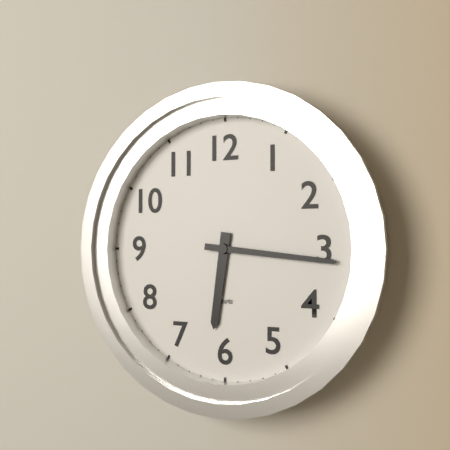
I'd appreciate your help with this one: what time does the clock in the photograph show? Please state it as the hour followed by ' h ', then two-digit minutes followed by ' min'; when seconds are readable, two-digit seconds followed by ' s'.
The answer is 6 h 16 min
